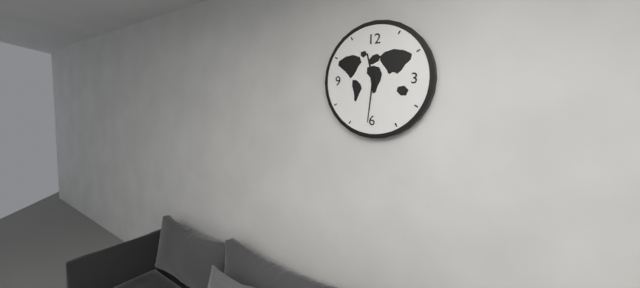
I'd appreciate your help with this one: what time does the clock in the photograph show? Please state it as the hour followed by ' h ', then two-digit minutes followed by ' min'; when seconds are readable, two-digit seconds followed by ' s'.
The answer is 11 h 31 min
